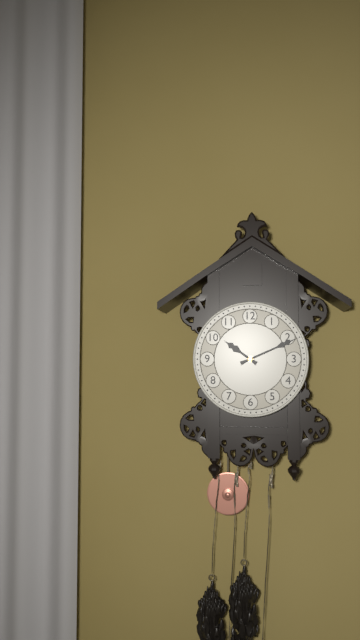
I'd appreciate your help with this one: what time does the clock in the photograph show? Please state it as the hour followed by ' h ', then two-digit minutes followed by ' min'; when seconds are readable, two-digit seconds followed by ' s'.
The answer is 10 h 11 min
